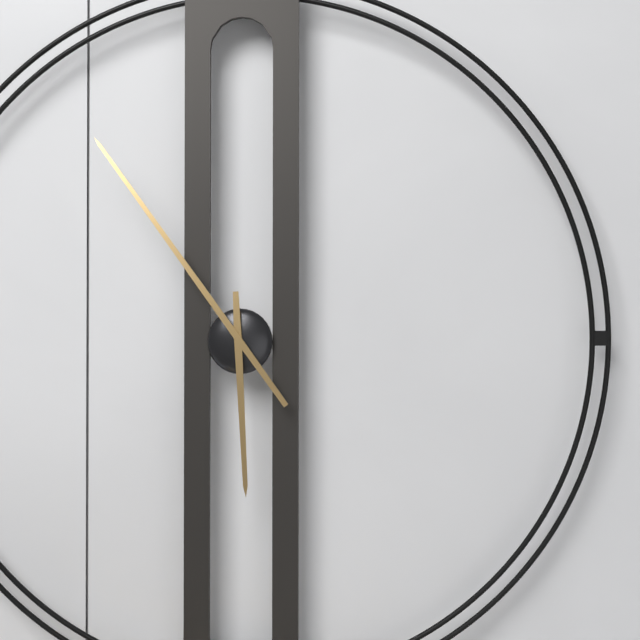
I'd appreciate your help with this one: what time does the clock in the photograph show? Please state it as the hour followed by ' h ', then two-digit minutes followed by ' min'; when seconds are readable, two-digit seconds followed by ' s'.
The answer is 5 h 54 min
